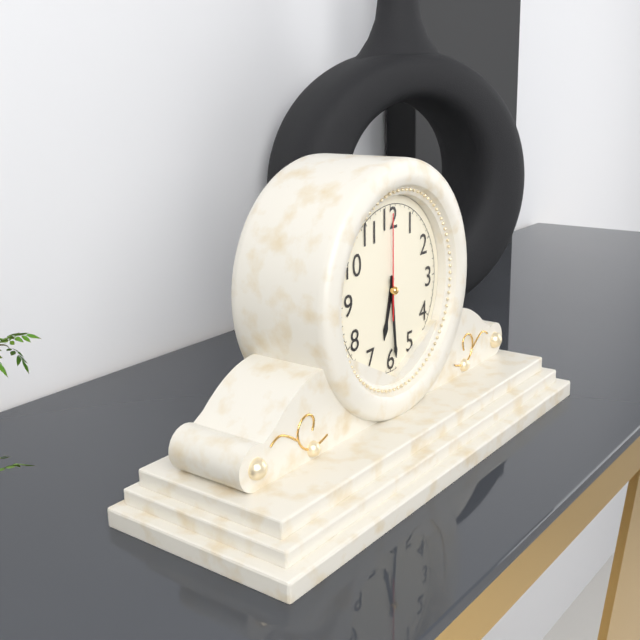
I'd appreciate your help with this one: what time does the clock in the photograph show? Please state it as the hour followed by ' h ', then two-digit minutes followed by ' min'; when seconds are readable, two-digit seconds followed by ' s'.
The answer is 6 h 29 min 00 s
